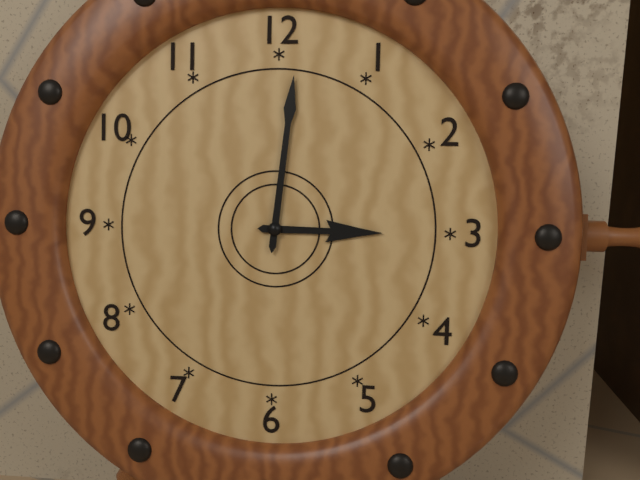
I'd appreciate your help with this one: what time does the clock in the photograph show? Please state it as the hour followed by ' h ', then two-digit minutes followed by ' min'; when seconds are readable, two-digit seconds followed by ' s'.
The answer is 3 h 01 min
